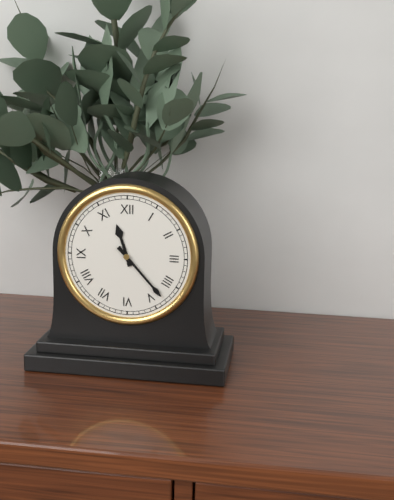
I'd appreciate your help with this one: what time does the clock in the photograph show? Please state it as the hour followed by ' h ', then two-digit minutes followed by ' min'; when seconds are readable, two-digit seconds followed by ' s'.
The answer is 11 h 23 min
